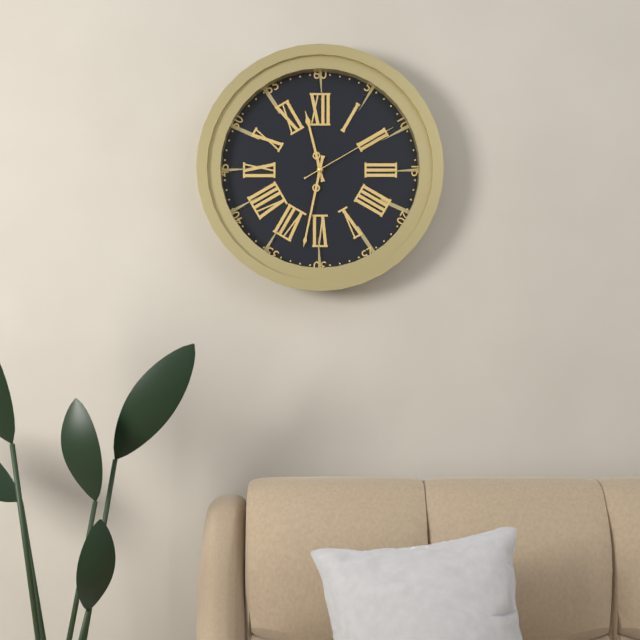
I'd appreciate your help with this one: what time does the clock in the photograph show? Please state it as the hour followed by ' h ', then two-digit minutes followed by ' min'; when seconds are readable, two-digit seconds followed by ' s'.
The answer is 11 h 32 min 10 s
